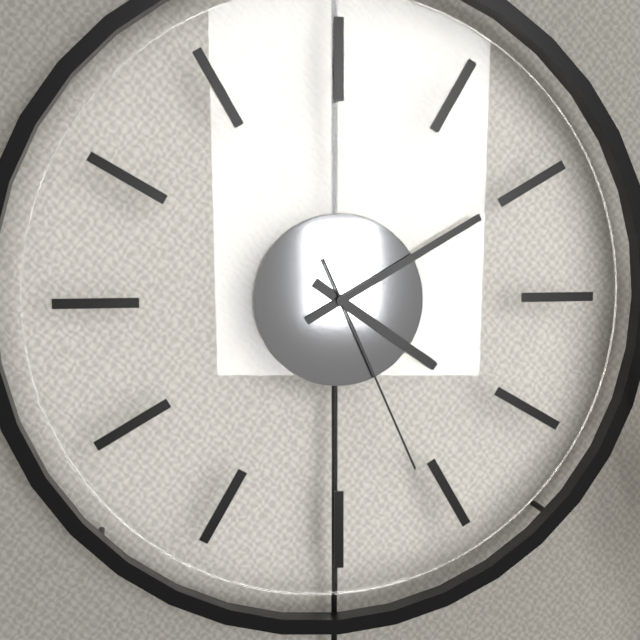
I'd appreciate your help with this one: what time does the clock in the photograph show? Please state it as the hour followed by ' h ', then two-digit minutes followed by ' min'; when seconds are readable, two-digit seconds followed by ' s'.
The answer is 4 h 10 min 26 s
